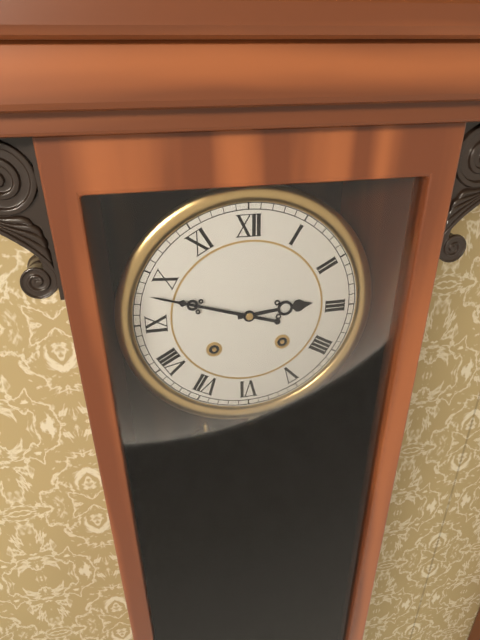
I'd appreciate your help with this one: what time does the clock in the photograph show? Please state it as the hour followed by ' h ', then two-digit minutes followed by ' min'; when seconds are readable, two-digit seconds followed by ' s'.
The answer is 2 h 48 min
